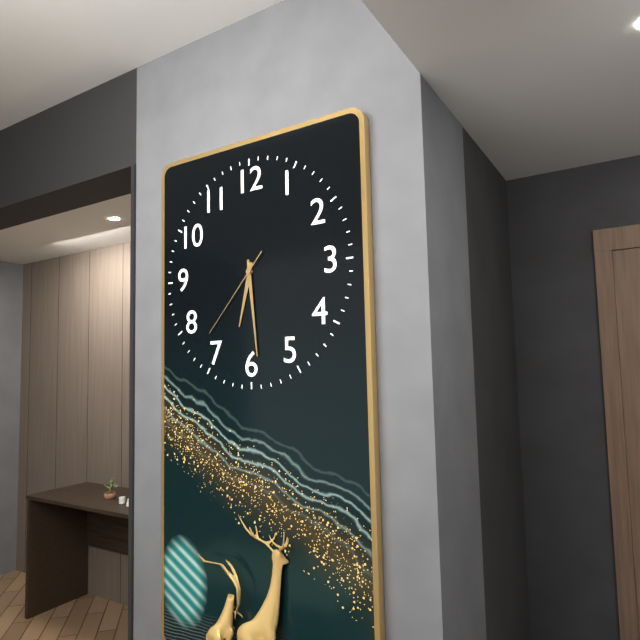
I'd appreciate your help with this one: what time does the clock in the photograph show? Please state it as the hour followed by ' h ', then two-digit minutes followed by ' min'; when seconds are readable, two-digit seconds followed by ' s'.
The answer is 6 h 29 min 37 s
